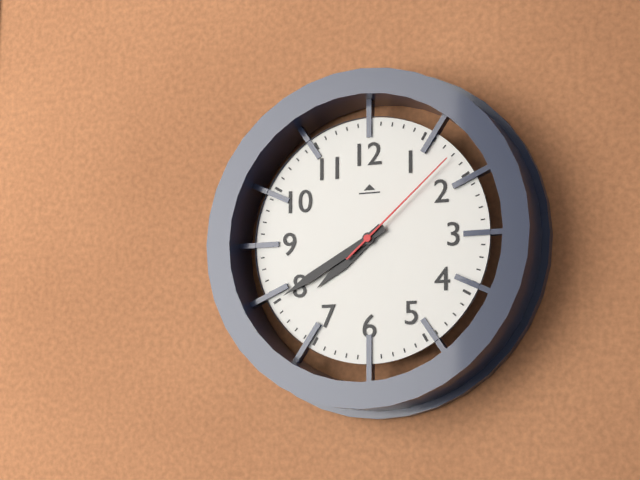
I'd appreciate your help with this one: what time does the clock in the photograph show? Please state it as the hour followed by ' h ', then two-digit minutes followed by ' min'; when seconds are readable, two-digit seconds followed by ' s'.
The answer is 7 h 40 min 08 s
